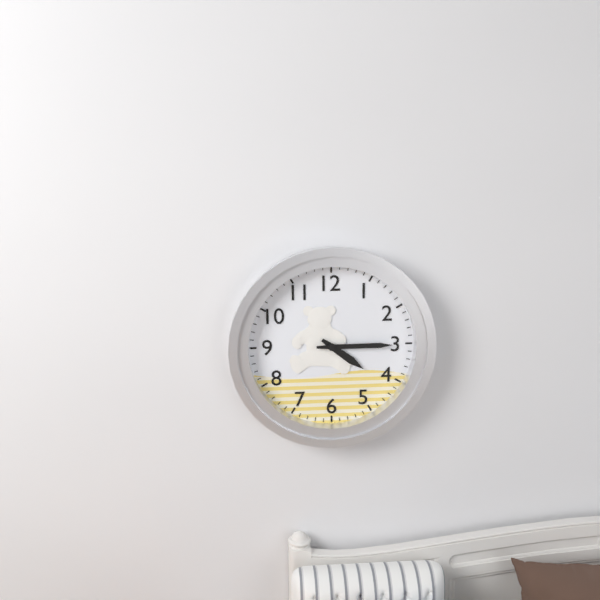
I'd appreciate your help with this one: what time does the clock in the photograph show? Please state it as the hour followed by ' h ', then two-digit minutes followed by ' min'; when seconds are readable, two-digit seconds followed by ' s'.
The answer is 4 h 15 min
